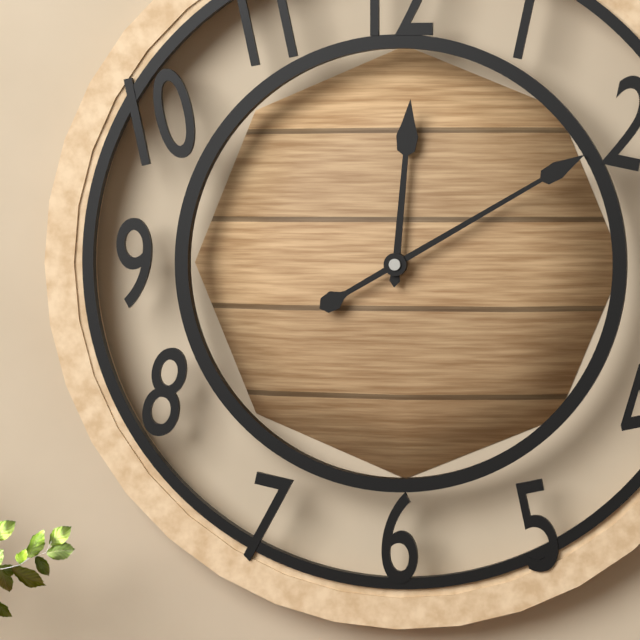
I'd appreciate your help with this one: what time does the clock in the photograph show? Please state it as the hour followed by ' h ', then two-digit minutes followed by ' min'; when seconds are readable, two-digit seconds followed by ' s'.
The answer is 12 h 10 min
